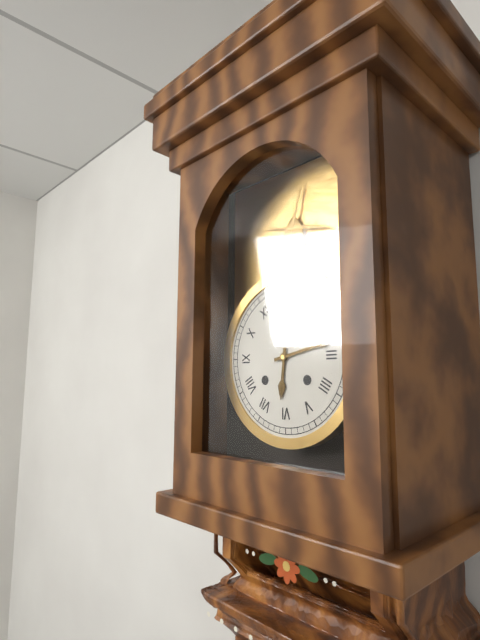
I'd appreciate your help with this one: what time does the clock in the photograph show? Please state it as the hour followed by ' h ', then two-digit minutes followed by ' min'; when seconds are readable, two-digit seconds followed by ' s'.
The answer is 6 h 13 min
